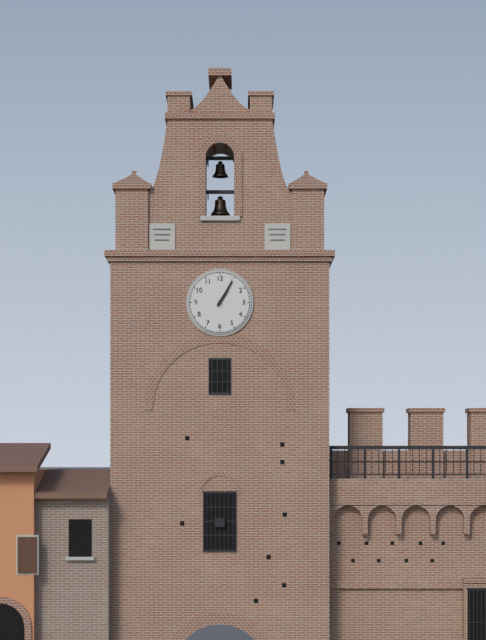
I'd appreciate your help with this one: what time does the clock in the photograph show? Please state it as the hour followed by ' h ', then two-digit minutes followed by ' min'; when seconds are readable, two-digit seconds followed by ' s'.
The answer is 1 h 05 min
